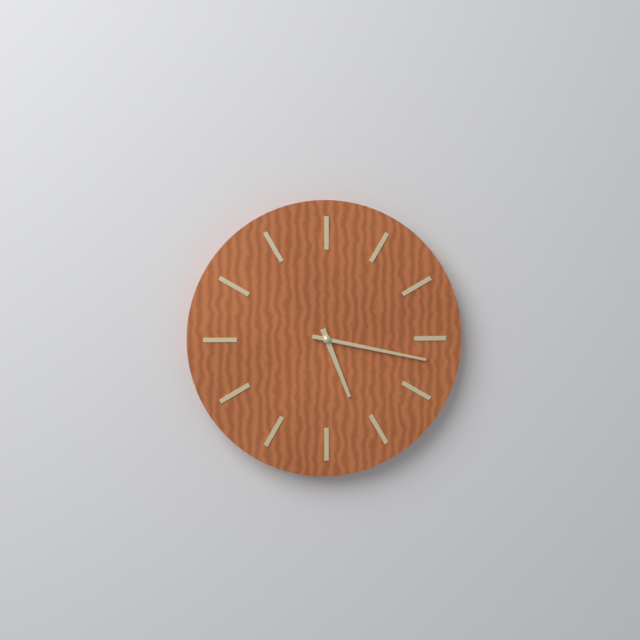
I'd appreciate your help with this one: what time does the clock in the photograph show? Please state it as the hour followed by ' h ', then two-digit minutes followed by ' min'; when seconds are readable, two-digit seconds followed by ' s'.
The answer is 5 h 17 min
